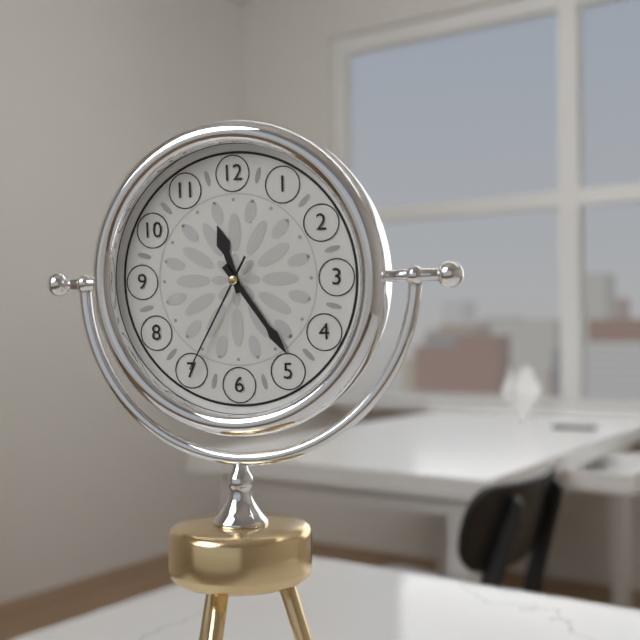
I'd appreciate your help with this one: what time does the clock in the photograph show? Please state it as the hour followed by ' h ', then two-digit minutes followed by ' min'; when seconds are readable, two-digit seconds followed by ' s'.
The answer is 11 h 24 min 35 s
